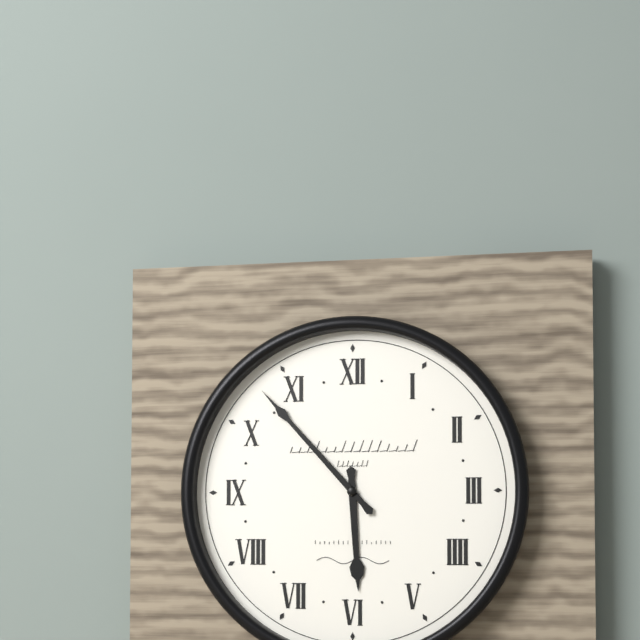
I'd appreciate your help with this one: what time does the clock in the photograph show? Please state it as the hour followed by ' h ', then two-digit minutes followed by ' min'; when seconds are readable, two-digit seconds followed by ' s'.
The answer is 5 h 53 min
